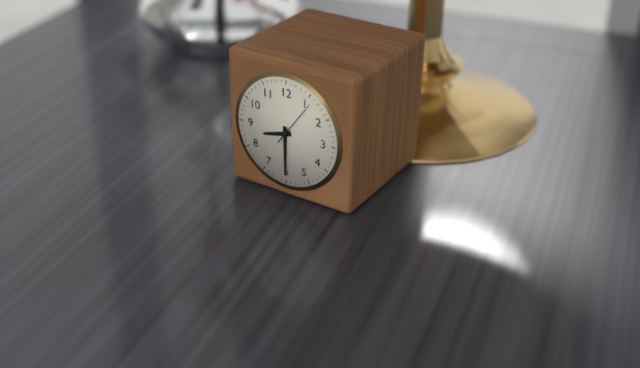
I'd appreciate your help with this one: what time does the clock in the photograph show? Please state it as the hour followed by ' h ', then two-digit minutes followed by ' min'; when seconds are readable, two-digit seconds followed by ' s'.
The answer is 8 h 30 min 06 s
